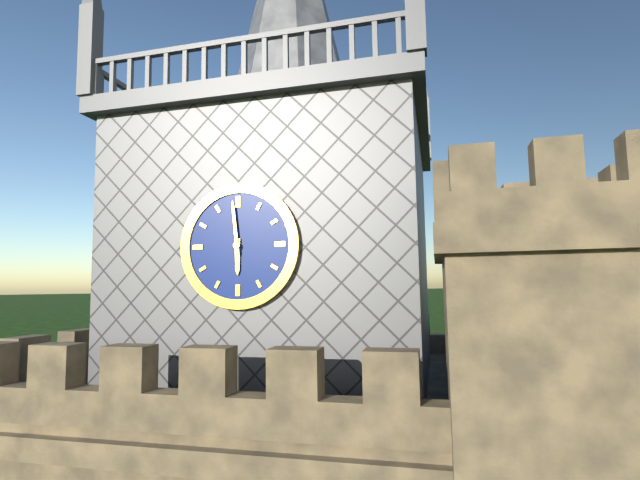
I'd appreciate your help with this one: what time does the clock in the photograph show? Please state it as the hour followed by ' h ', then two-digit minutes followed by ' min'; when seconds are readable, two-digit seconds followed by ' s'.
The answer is 5 h 59 min
